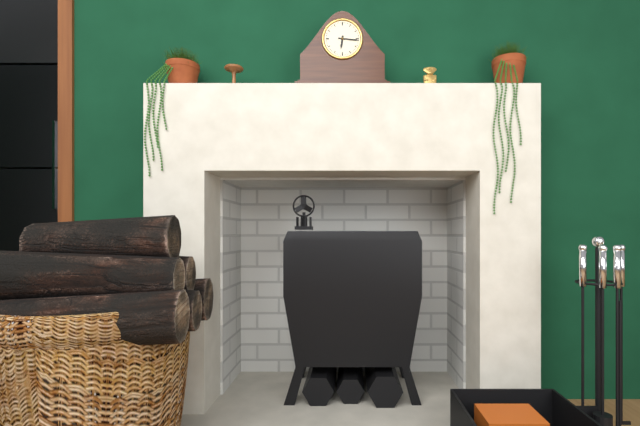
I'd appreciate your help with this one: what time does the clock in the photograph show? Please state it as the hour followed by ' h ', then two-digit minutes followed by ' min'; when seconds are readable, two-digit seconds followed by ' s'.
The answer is 6 h 16 min
